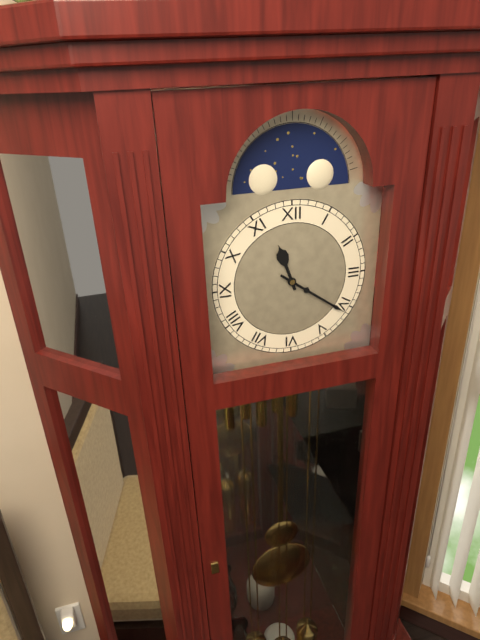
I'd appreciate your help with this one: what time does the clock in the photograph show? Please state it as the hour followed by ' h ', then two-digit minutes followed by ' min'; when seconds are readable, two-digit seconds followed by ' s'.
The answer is 11 h 21 min
